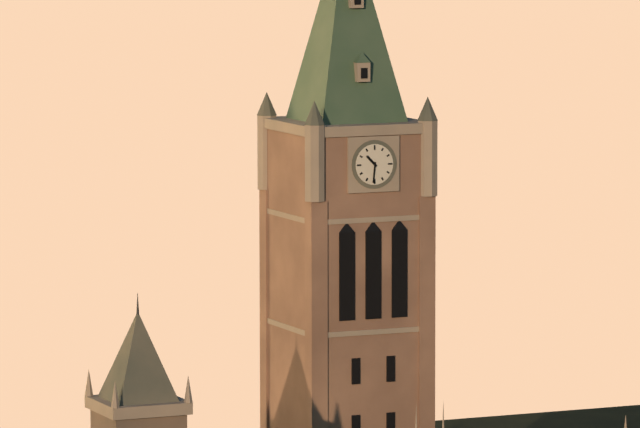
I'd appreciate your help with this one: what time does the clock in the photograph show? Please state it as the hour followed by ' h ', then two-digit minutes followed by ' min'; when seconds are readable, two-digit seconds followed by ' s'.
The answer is 10 h 31 min
